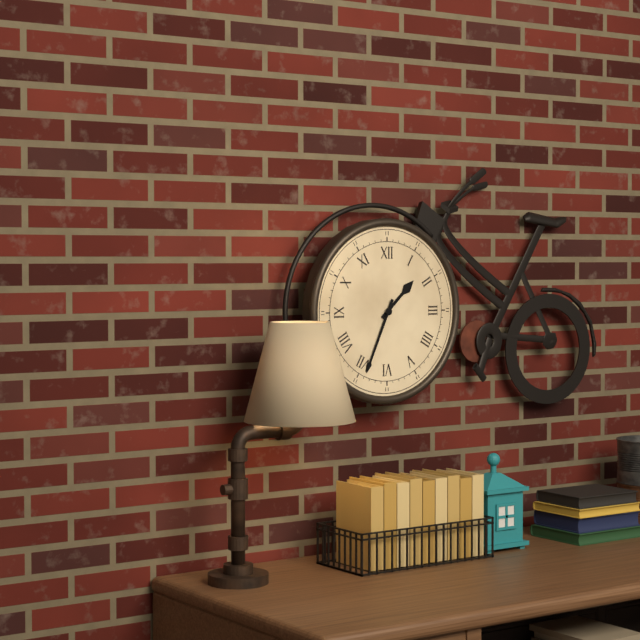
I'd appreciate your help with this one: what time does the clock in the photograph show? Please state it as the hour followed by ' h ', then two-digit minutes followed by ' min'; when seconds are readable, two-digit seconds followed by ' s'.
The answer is 1 h 34 min
